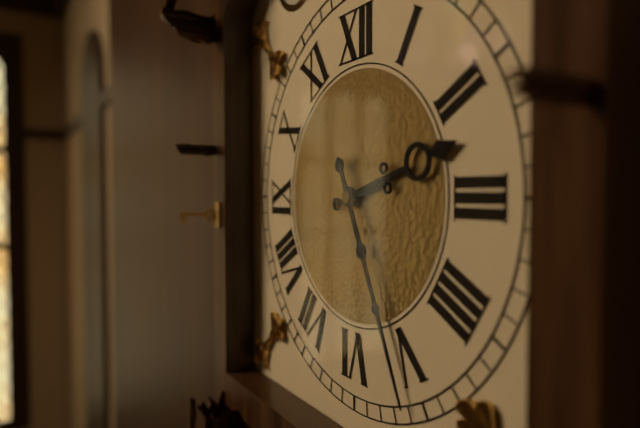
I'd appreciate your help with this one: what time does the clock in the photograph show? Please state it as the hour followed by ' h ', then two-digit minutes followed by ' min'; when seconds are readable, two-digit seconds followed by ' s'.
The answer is 2 h 26 min
